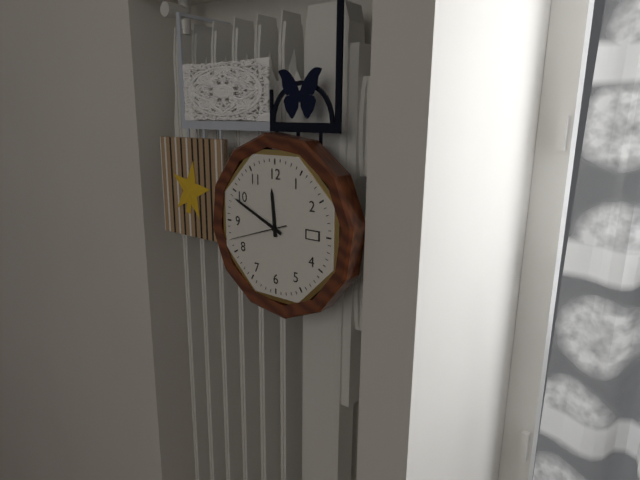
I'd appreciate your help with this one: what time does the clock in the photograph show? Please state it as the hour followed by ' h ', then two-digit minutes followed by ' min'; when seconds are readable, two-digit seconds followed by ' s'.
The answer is 11 h 49 min 42 s
